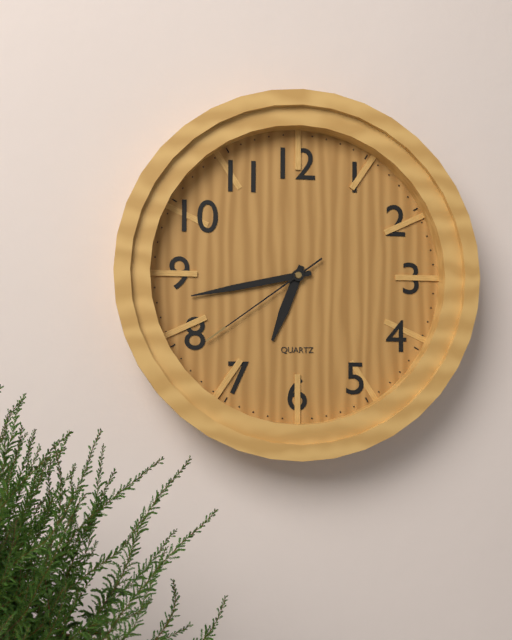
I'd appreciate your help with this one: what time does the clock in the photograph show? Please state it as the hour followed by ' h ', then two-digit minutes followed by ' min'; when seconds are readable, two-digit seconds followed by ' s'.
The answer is 6 h 43 min 39 s
